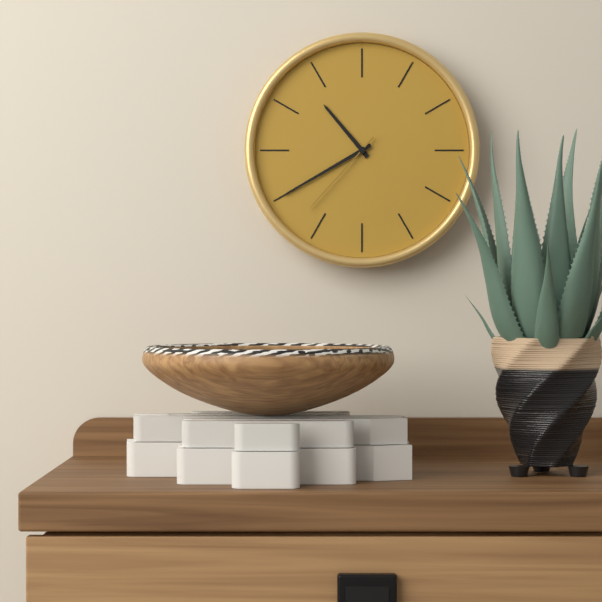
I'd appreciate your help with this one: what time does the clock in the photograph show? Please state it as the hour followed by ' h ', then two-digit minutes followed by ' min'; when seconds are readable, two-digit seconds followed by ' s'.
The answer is 10 h 40 min 37 s
